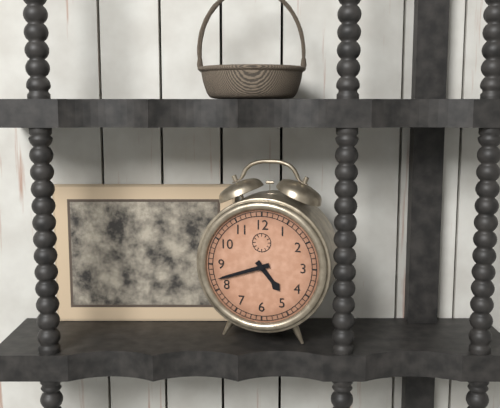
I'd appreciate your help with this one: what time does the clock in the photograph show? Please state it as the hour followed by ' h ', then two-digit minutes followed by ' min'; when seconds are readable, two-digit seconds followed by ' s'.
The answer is 4 h 42 min
